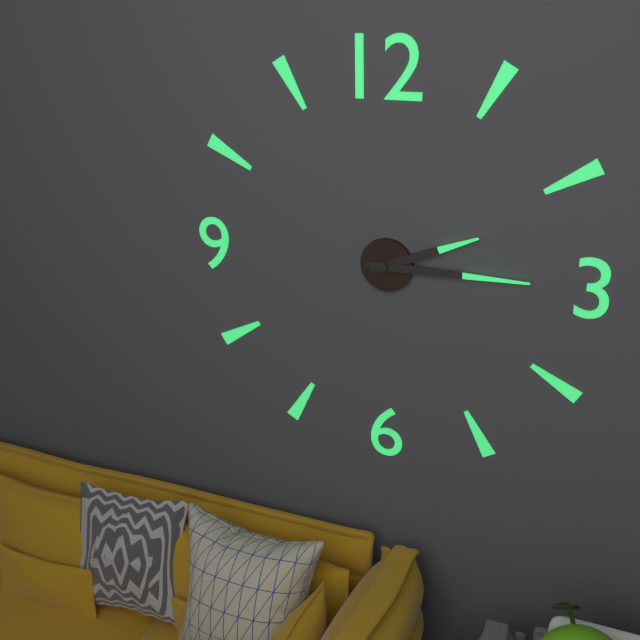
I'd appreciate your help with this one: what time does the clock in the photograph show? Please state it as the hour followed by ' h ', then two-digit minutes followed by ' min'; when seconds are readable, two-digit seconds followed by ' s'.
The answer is 2 h 15 min
